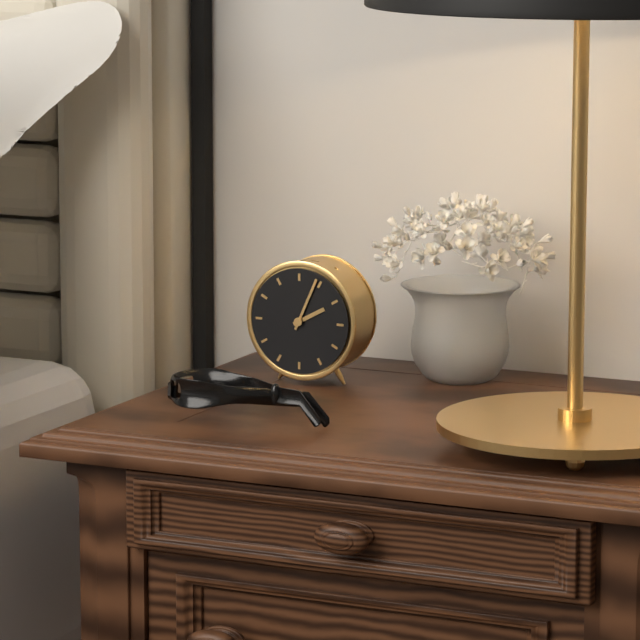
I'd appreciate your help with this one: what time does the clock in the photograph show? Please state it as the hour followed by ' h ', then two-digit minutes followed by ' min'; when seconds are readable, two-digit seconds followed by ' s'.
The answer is 2 h 04 min
